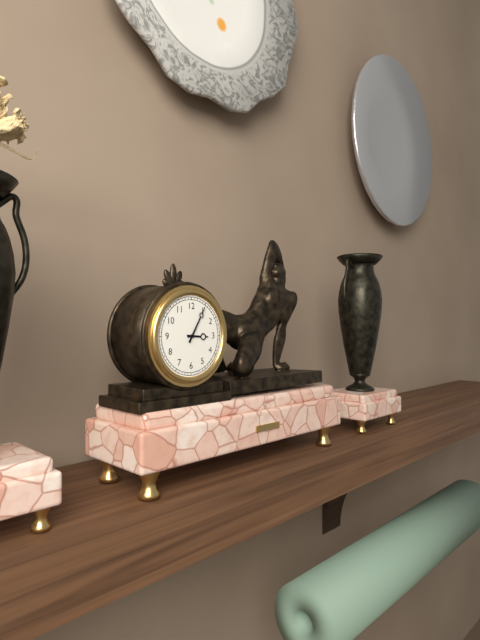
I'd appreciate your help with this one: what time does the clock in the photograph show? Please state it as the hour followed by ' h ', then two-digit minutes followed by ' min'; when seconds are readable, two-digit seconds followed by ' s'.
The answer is 3 h 05 min
